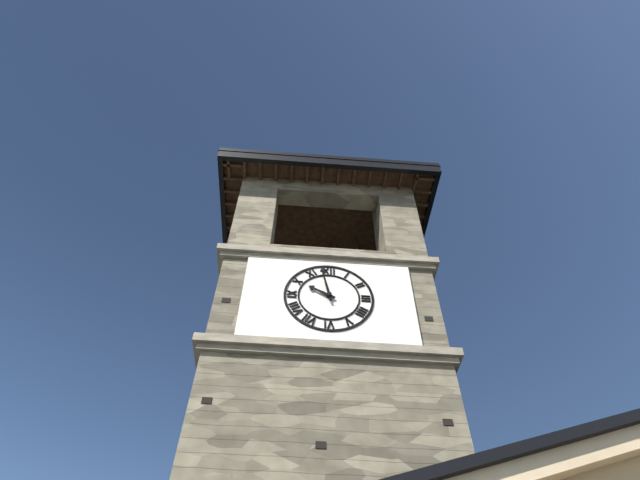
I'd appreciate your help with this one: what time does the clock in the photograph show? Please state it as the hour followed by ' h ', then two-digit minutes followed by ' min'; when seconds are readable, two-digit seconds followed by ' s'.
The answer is 9 h 58 min
